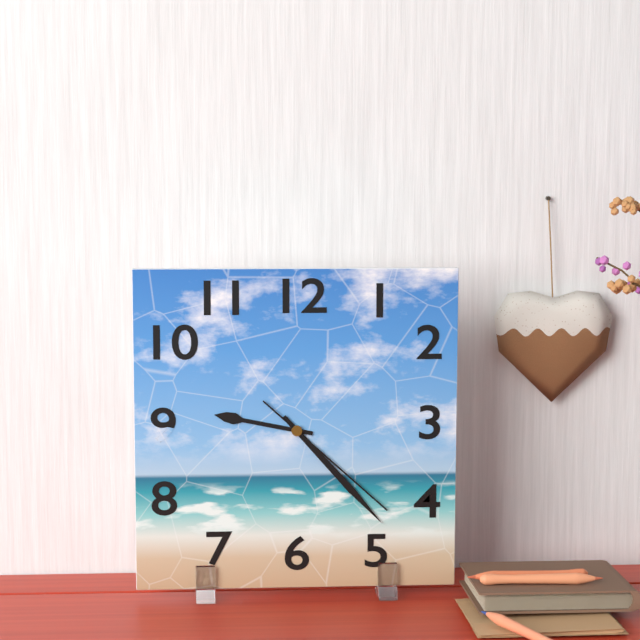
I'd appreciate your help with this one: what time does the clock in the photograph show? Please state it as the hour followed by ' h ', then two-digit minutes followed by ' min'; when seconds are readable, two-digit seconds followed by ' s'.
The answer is 9 h 23 min 22 s
